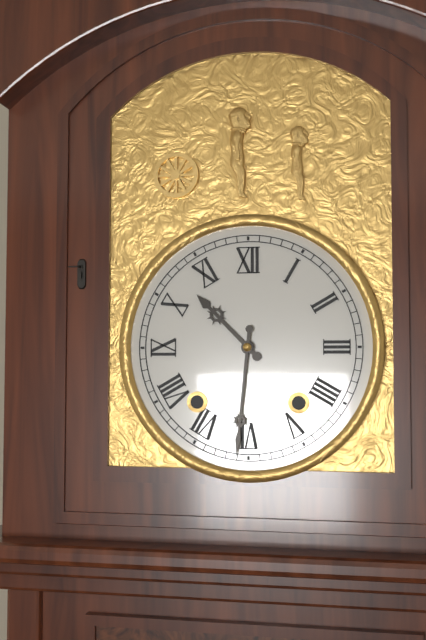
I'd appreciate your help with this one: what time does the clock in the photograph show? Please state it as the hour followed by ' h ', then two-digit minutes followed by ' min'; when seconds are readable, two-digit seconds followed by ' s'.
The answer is 10 h 31 min
